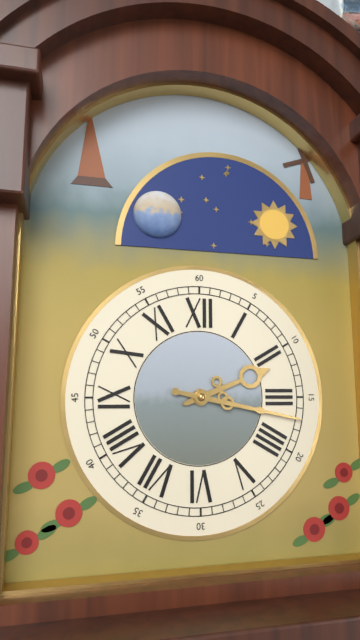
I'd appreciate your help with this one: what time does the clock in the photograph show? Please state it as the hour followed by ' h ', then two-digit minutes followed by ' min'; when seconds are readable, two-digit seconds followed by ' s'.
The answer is 2 h 17 min
